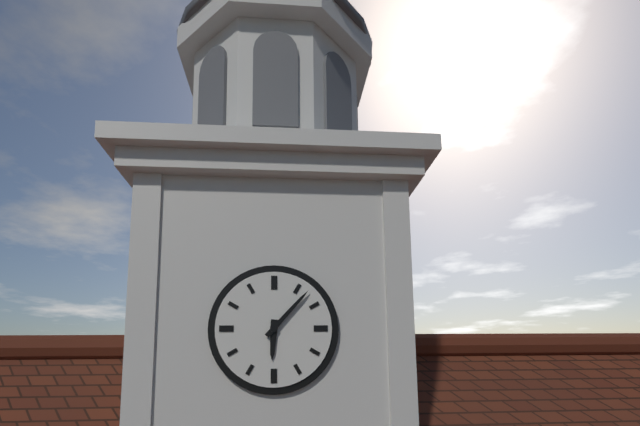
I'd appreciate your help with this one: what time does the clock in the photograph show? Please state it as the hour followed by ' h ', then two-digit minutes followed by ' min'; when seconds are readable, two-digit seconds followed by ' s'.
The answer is 6 h 07 min
